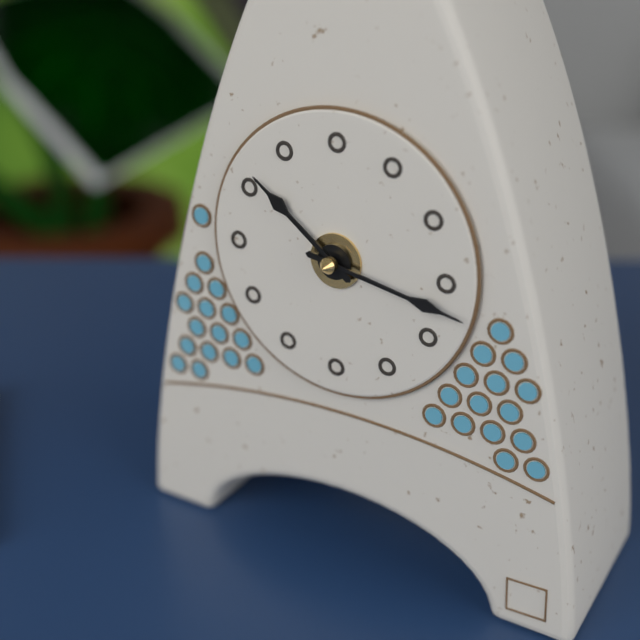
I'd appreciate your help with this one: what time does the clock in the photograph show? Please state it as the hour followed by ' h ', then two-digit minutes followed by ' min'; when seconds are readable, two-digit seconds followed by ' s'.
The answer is 10 h 17 min
